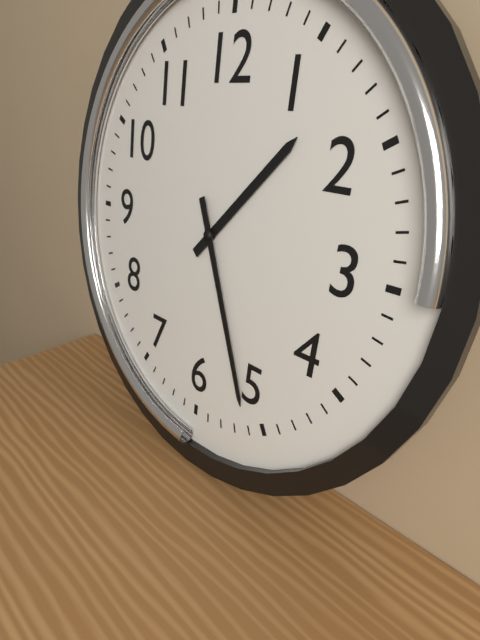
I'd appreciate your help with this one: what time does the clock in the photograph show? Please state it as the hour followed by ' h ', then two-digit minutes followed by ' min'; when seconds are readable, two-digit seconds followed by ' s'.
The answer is 1 h 26 min
